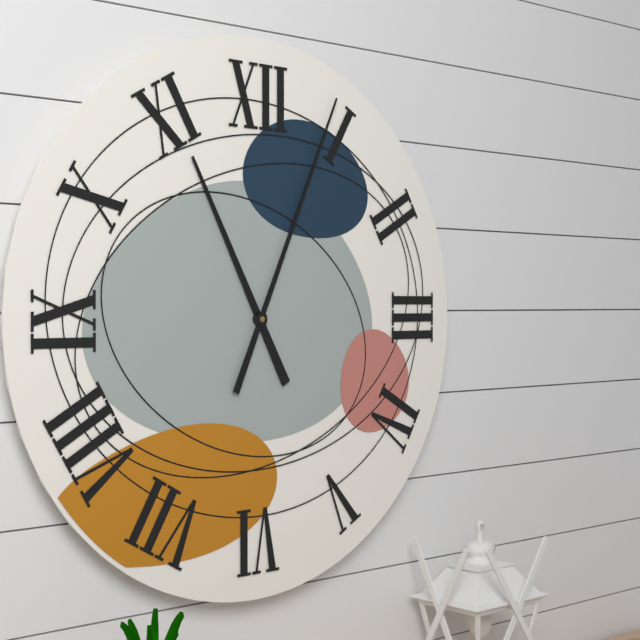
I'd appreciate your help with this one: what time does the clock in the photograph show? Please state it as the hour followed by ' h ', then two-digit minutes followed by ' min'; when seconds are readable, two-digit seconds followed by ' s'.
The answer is 11 h 04 min
